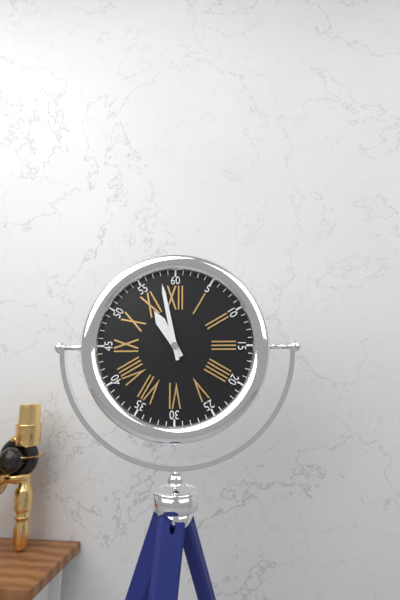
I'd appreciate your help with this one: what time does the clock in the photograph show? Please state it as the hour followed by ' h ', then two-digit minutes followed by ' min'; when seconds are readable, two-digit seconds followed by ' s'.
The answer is 10 h 58 min
